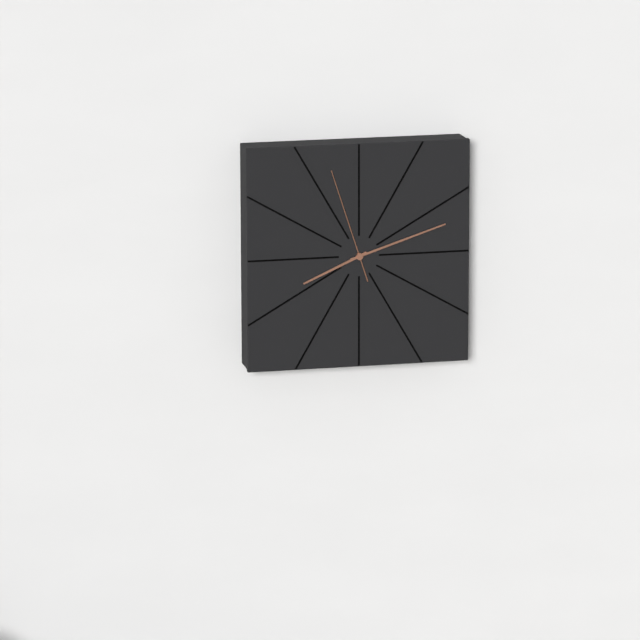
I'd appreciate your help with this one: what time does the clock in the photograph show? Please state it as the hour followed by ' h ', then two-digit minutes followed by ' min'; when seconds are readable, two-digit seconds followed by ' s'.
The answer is 8 h 12 min 57 s
